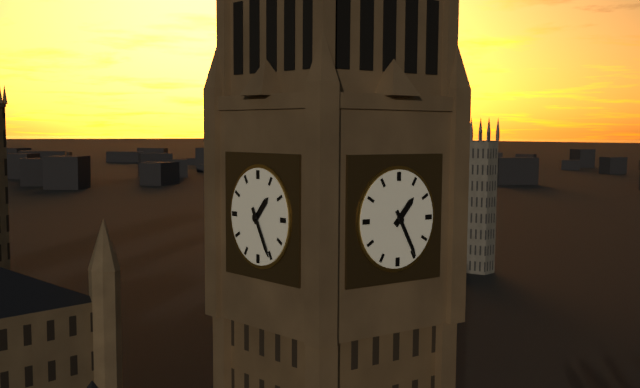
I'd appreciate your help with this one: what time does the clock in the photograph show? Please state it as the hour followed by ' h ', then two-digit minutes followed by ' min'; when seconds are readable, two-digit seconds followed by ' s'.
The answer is 1 h 25 min
